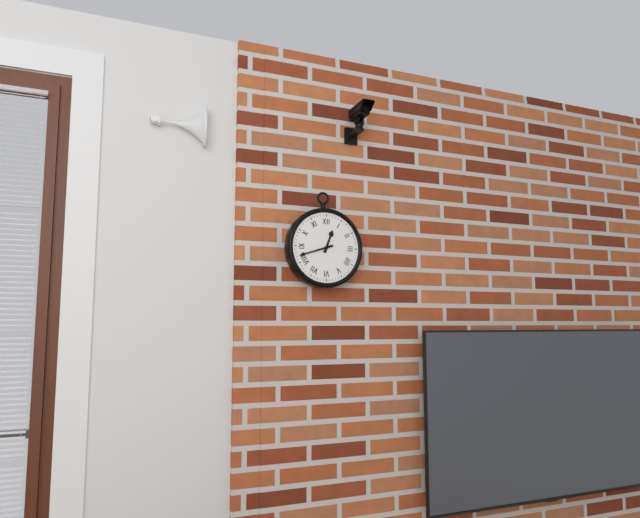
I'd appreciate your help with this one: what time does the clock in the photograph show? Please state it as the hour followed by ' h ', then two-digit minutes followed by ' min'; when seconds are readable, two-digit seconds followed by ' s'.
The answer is 12 h 42 min
